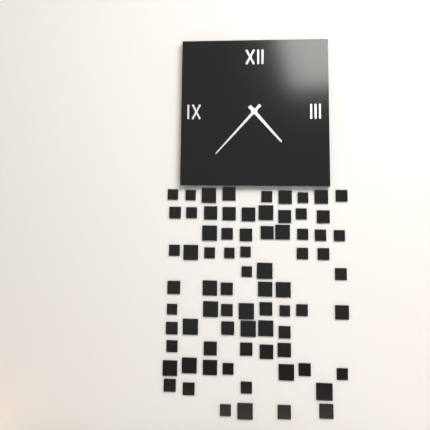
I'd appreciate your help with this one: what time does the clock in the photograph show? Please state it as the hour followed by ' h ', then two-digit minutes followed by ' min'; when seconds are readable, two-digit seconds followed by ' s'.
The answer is 4 h 37 min
